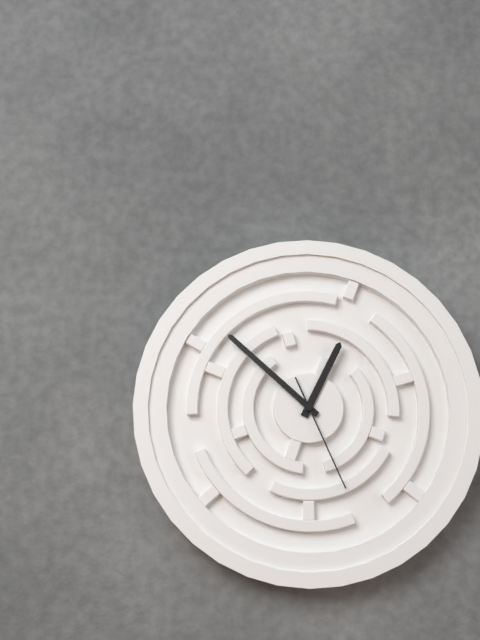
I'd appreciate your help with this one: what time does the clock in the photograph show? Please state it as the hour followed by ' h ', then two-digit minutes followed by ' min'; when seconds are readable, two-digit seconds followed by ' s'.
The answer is 12 h 52 min 26 s
